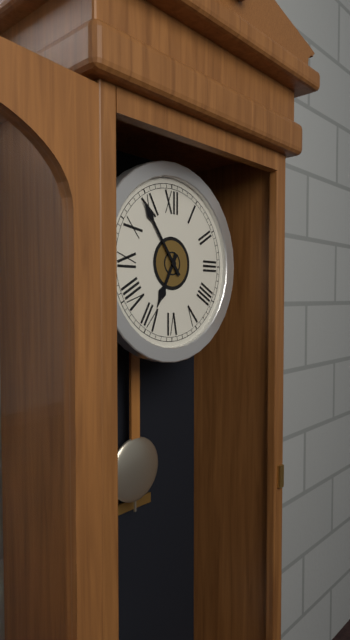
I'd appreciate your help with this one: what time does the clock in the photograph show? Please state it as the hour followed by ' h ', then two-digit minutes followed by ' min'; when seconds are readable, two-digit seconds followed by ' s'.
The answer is 6 h 54 min
